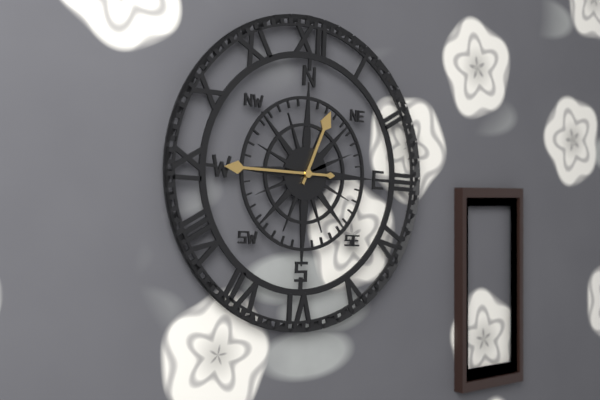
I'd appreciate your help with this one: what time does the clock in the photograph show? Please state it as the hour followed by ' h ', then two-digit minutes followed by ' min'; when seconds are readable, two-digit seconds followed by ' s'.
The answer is 12 h 45 min
